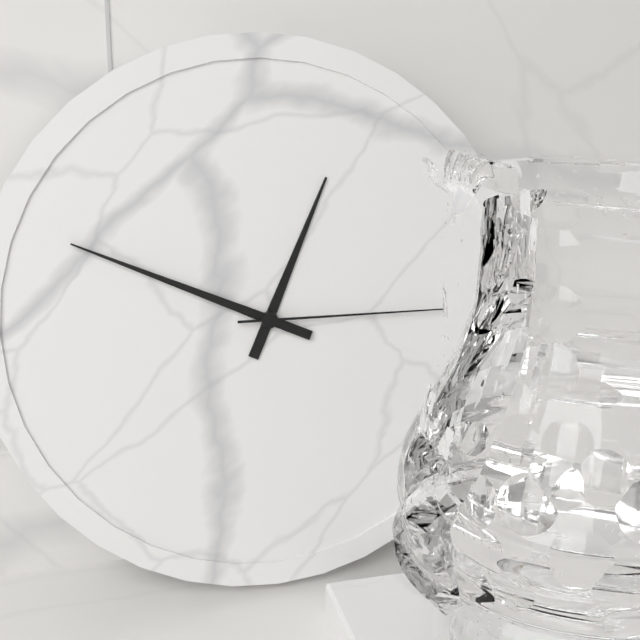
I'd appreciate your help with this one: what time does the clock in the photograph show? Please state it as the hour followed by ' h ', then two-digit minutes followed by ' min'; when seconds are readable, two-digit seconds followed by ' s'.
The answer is 12 h 49 min 15 s
